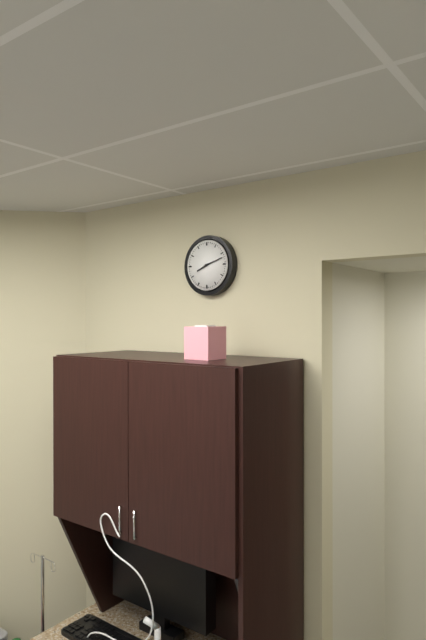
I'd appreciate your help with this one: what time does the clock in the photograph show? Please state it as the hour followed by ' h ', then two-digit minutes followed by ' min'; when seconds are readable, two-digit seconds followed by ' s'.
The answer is 8 h 12 min
